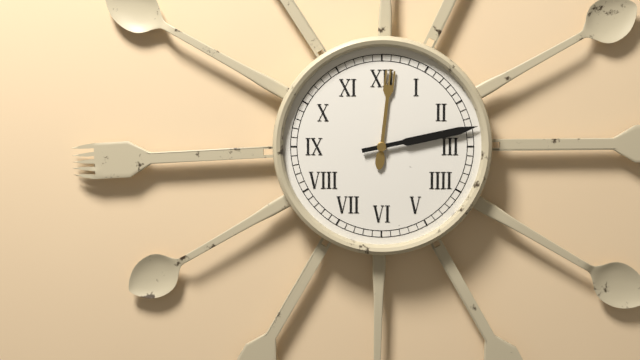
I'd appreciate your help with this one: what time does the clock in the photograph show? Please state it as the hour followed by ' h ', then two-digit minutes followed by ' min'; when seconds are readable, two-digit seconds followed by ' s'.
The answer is 12 h 13 min
